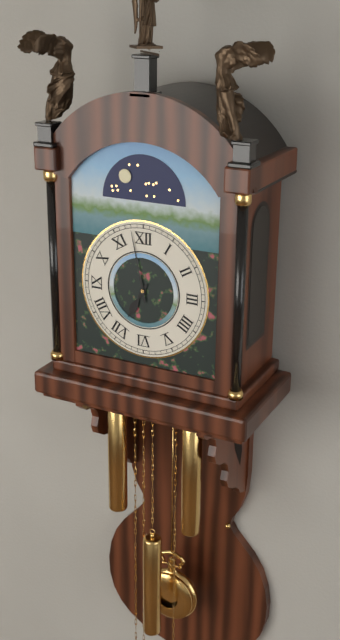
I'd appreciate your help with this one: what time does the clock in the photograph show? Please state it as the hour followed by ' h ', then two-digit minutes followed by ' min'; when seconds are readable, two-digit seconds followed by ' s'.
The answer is 6 h 58 min
